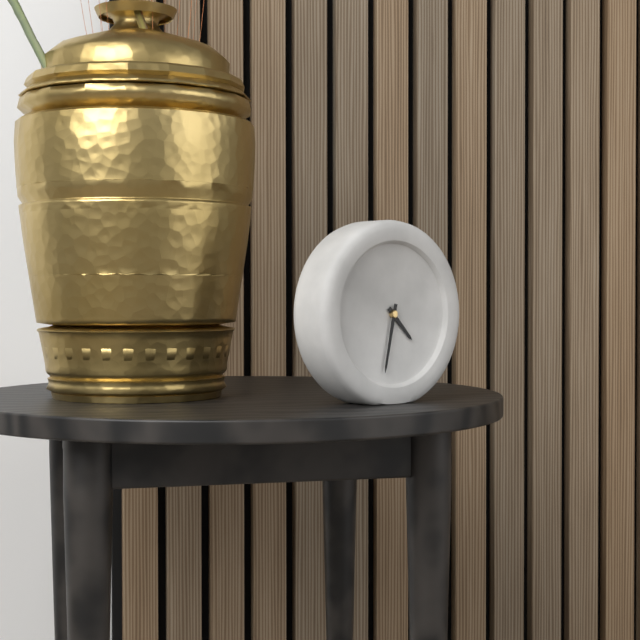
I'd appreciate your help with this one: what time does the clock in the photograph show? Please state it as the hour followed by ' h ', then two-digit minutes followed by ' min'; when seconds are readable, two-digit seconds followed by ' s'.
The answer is 4 h 32 min
